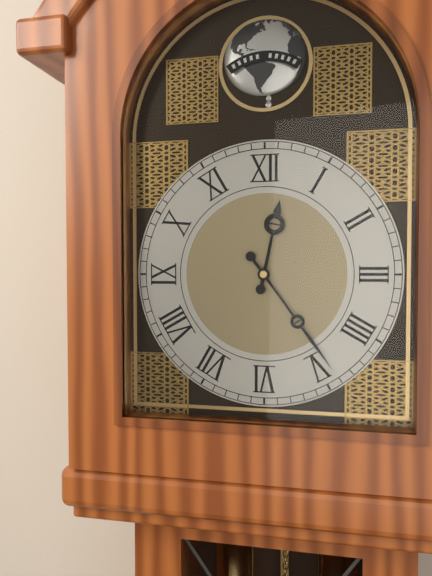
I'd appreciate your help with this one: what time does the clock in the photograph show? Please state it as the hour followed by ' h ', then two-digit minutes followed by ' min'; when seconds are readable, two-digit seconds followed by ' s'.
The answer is 12 h 24 min
